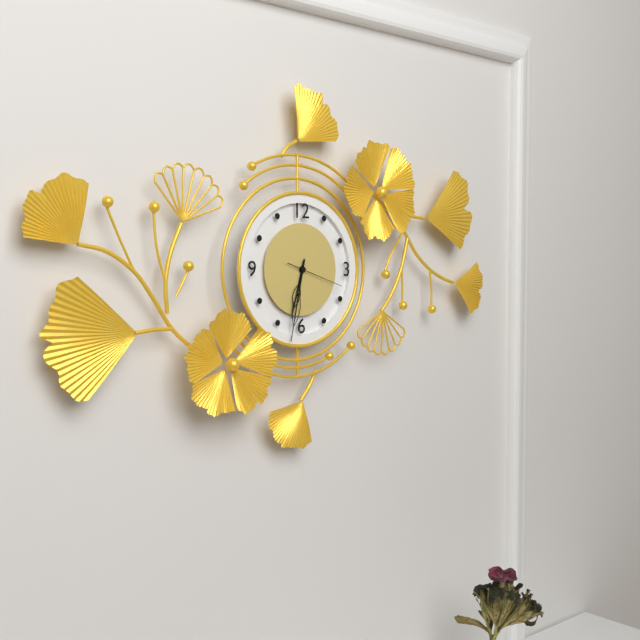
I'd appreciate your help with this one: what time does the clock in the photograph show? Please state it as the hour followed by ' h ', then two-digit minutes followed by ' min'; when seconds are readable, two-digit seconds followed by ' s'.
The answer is 6 h 32 min 18 s
